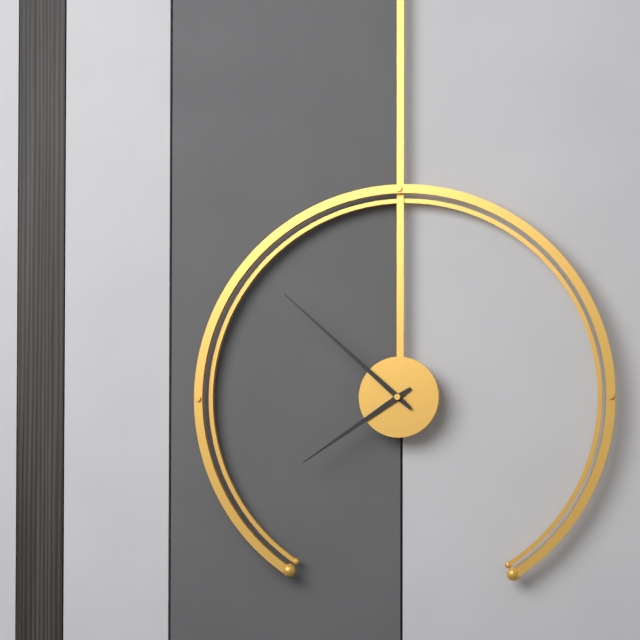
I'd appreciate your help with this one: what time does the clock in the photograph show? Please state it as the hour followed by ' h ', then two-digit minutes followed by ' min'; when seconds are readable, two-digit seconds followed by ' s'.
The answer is 7 h 52 min
